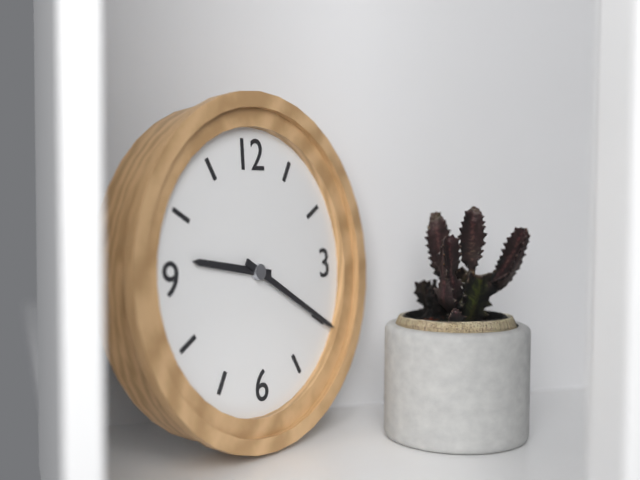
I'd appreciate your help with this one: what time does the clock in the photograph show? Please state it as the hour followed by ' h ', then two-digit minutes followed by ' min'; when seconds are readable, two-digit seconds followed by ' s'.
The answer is 9 h 20 min
